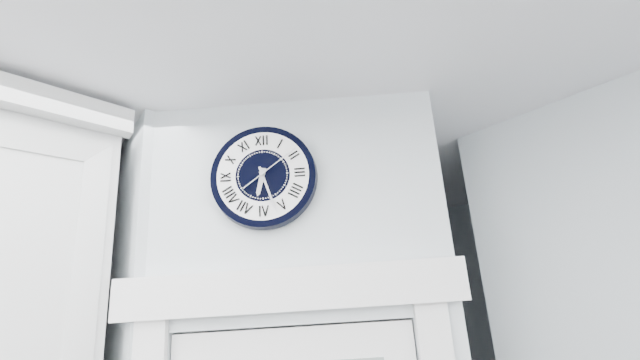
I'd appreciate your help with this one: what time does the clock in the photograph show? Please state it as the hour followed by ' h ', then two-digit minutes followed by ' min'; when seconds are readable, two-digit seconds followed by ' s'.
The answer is 6 h 27 min 09 s
